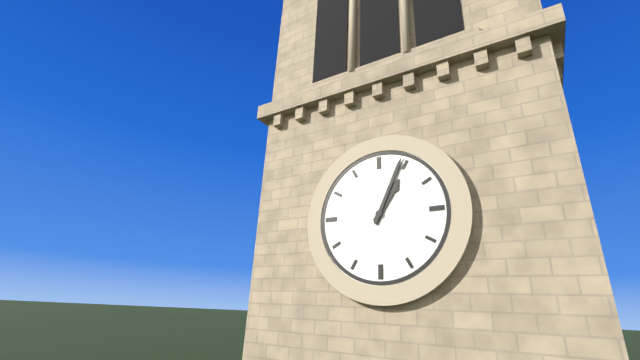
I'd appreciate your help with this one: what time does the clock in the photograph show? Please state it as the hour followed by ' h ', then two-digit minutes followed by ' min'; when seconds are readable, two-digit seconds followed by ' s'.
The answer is 1 h 04 min
